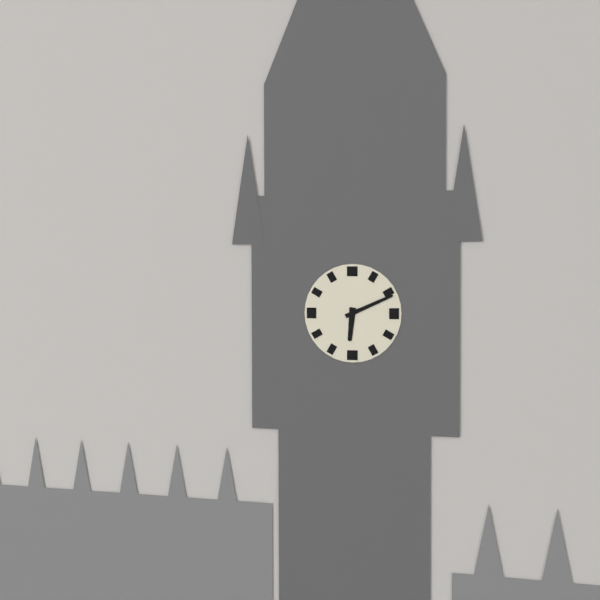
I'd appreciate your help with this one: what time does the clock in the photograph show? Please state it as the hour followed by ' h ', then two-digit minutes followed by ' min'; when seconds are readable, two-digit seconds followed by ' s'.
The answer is 6 h 11 min
